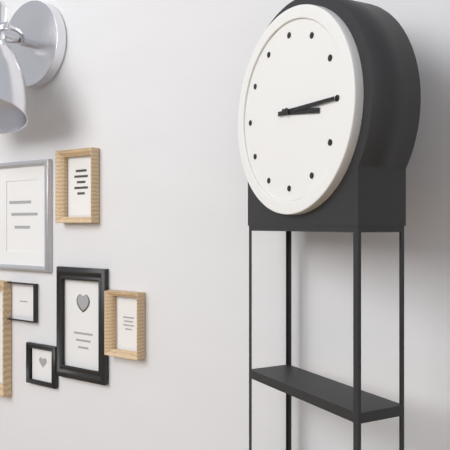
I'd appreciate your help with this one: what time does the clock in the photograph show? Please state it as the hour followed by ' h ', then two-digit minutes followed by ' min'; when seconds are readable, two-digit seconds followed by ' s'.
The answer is 3 h 15 min
